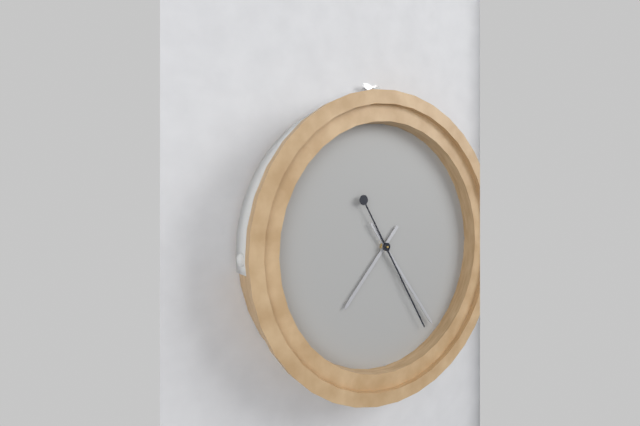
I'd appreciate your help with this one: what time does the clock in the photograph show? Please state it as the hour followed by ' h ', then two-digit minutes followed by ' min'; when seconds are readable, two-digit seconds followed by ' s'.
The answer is 7 h 24 min 25 s
